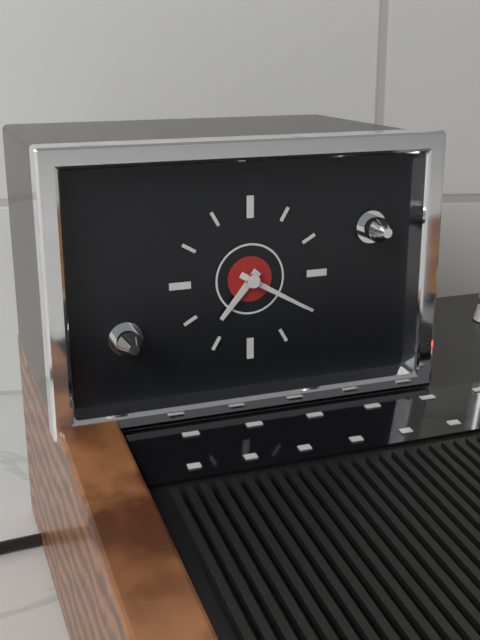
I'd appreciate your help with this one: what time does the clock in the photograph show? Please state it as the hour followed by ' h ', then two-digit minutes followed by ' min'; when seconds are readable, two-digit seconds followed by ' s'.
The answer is 7 h 20 min
